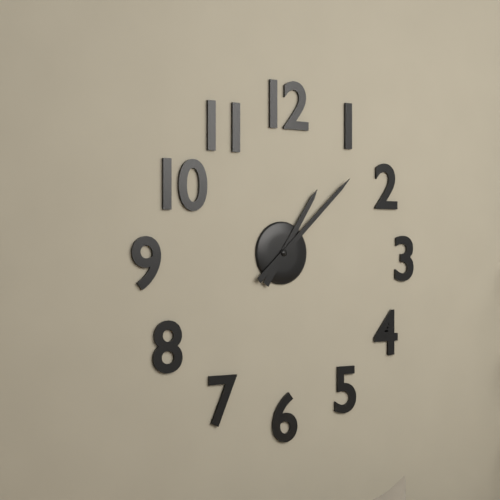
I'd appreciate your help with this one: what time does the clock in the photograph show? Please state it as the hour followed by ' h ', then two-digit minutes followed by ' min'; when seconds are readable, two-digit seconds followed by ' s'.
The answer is 1 h 08 min
